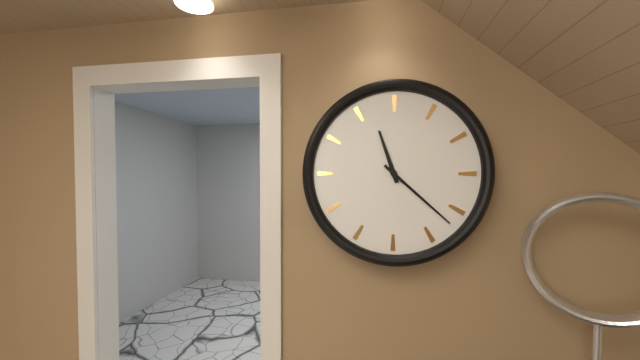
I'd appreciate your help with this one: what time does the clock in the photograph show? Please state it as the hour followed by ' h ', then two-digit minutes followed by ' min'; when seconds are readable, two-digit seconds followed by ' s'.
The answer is 11 h 22 min
